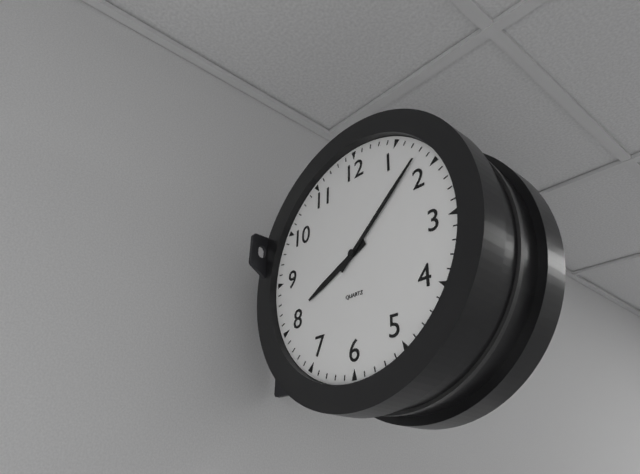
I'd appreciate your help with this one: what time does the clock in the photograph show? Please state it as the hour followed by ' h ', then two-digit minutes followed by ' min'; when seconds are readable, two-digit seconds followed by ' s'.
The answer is 8 h 08 min
